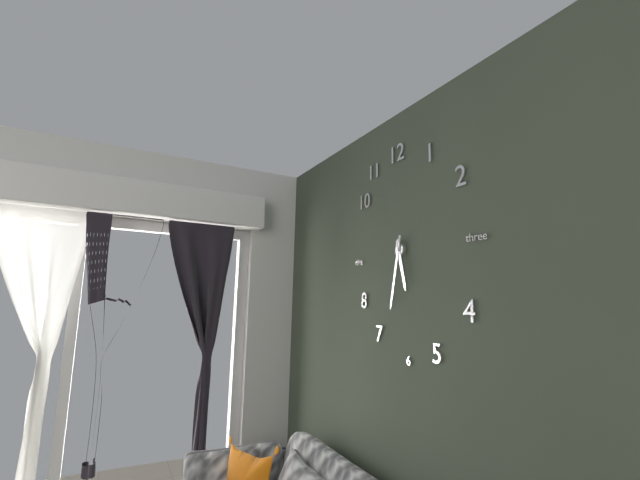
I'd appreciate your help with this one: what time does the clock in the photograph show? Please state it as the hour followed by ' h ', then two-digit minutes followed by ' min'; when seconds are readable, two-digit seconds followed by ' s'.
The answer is 5 h 32 min
